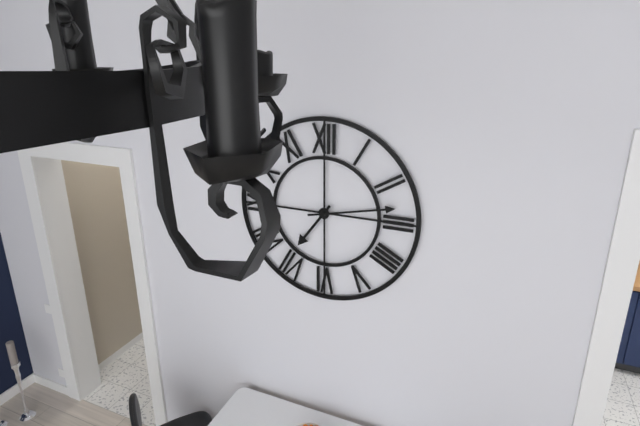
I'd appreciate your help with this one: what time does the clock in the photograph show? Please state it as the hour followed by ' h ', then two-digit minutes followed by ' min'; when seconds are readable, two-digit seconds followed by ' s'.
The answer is 7 h 13 min
